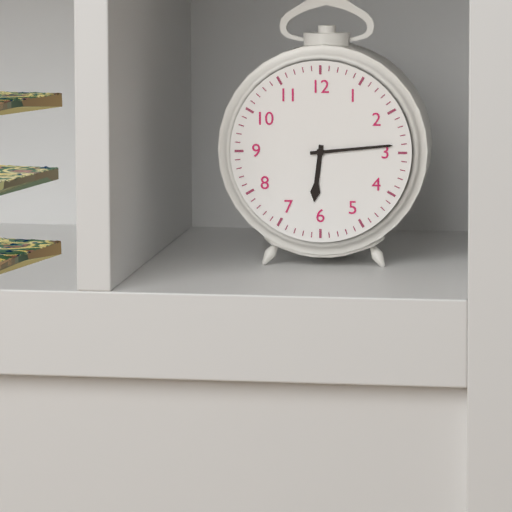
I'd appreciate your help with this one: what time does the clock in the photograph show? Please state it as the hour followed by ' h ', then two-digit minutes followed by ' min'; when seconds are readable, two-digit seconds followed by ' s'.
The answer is 6 h 14 min
